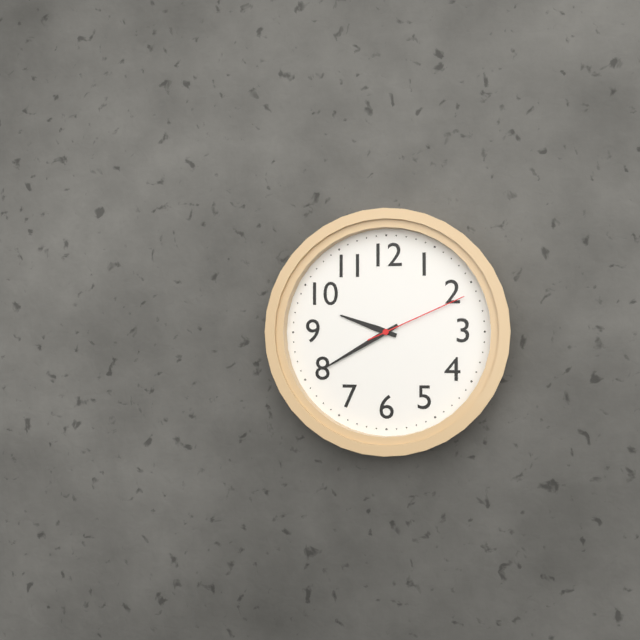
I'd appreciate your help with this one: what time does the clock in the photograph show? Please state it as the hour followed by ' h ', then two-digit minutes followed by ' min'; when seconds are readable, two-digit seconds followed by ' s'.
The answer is 9 h 40 min 11 s
